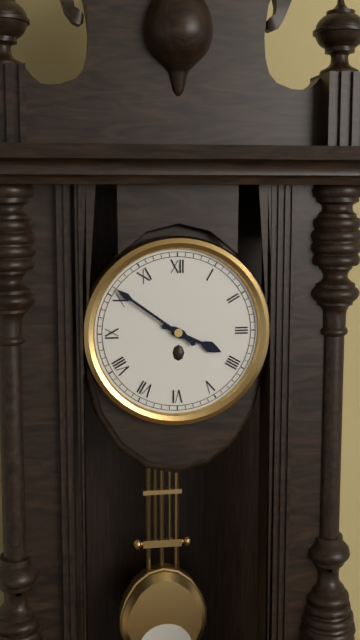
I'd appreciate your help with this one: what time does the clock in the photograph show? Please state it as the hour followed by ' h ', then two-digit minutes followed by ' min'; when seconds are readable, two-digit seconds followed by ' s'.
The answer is 3 h 51 min
